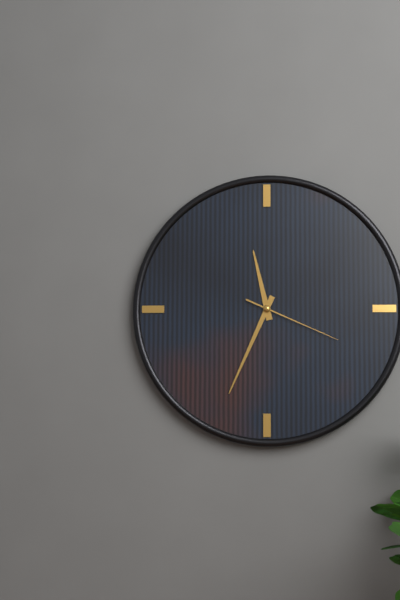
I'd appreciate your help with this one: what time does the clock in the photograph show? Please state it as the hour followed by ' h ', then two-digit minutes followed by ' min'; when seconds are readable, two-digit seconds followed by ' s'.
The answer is 11 h 34 min 19 s
